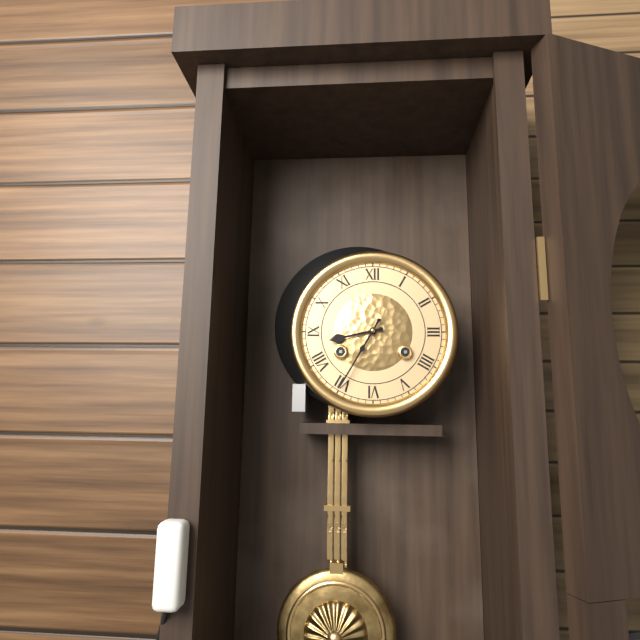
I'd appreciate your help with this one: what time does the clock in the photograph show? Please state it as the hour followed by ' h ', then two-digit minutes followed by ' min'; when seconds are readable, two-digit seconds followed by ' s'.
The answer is 8 h 35 min
